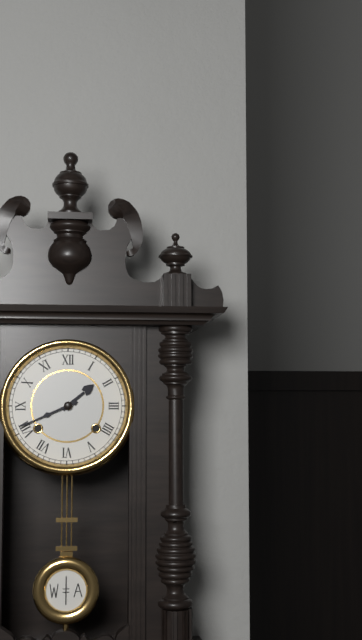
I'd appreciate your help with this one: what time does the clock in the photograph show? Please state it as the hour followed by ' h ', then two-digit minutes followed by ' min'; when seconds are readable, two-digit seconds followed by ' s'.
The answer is 1 h 41 min
